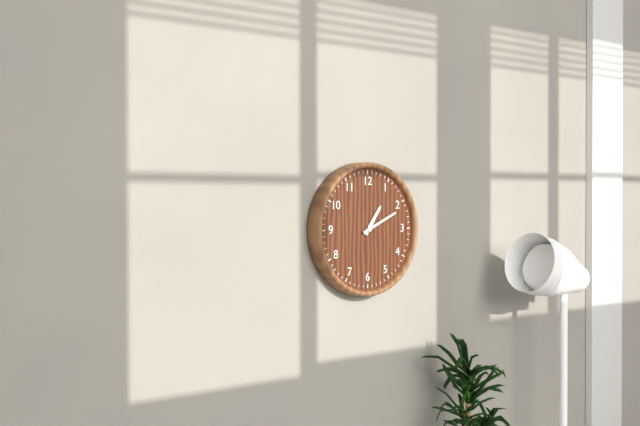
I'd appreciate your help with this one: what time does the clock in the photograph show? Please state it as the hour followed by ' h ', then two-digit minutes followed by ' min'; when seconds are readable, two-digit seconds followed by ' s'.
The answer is 1 h 11 min
